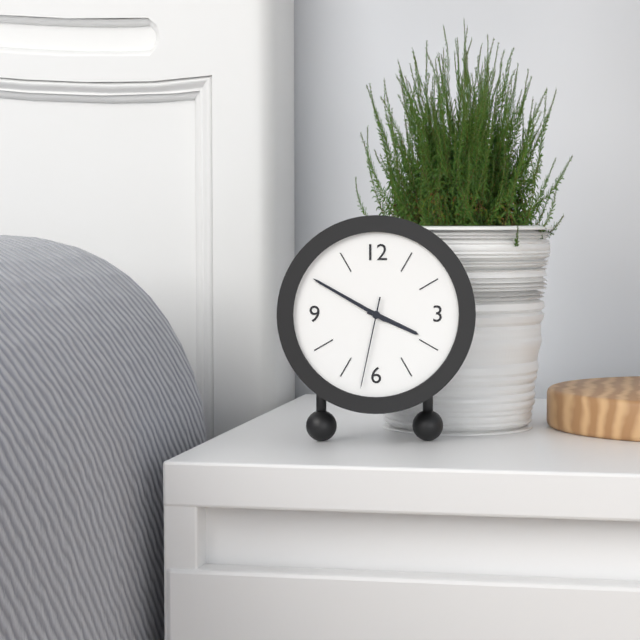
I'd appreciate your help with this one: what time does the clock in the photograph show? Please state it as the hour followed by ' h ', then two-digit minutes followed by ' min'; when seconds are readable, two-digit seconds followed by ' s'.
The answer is 3 h 50 min 32 s
